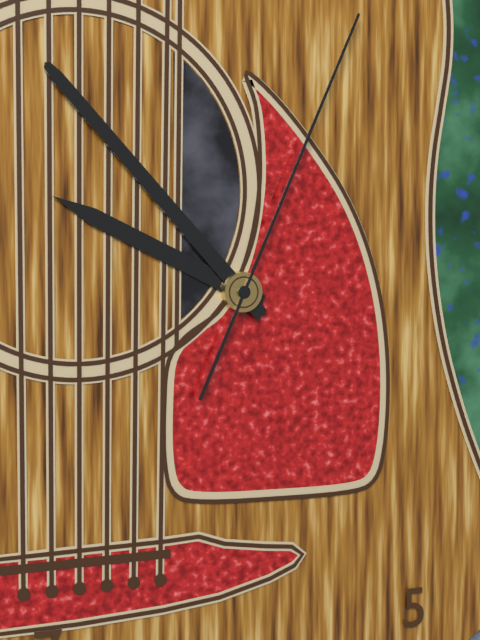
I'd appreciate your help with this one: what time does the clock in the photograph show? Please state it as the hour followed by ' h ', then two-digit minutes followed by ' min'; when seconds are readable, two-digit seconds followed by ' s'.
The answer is 9 h 53 min 04 s
